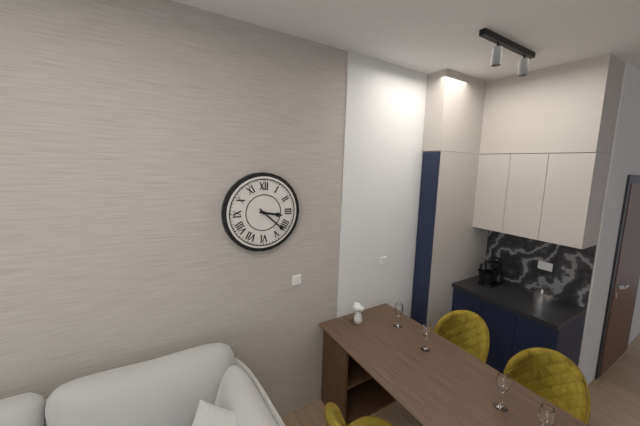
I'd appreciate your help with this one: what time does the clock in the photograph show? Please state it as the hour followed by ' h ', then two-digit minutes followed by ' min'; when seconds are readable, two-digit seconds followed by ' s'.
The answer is 3 h 22 min
